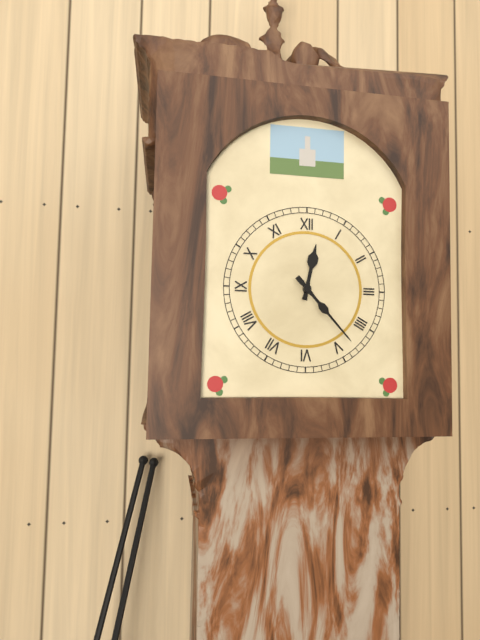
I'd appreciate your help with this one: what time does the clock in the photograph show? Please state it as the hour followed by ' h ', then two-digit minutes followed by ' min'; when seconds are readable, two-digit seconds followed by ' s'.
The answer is 12 h 23 min
